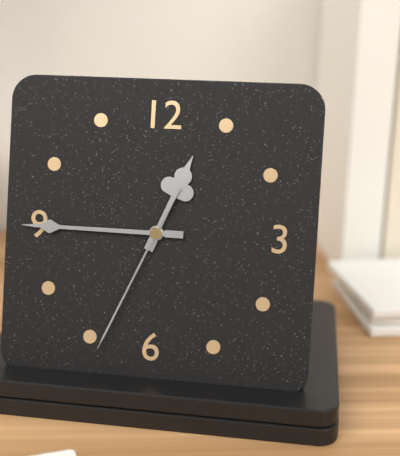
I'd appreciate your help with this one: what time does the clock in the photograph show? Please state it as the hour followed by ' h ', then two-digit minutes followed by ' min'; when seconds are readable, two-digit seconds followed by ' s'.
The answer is 12 h 45 min 34 s
